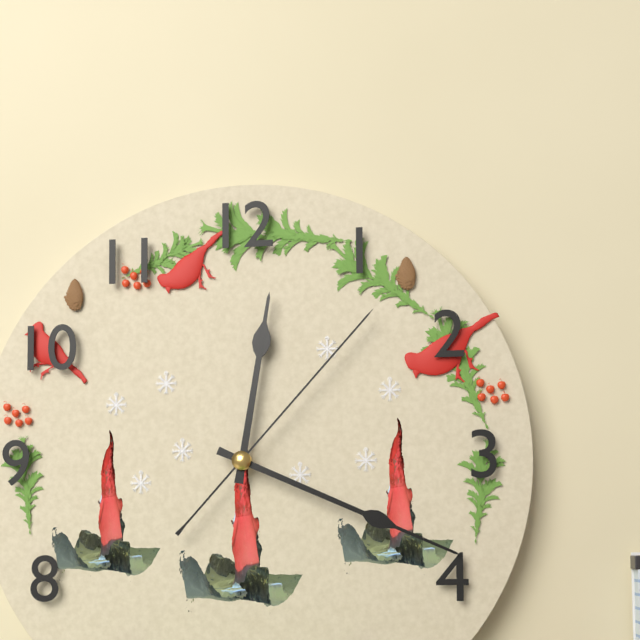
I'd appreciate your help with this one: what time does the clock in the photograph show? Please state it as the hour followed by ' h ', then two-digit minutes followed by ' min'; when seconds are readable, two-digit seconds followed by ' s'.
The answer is 12 h 19 min 07 s
